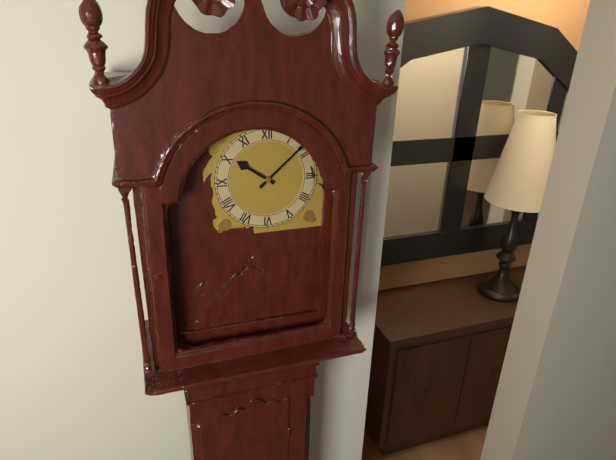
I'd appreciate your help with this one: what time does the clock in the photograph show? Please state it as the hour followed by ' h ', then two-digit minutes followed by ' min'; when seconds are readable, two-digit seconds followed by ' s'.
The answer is 10 h 08 min
